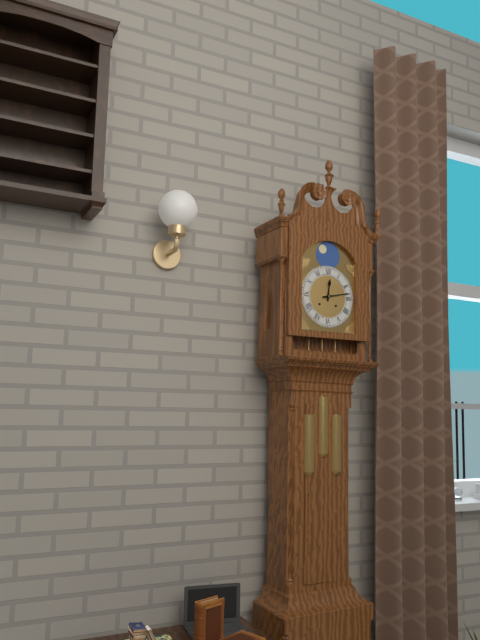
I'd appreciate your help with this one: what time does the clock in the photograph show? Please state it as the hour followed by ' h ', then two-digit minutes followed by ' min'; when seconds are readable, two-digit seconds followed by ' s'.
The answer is 12 h 13 min
